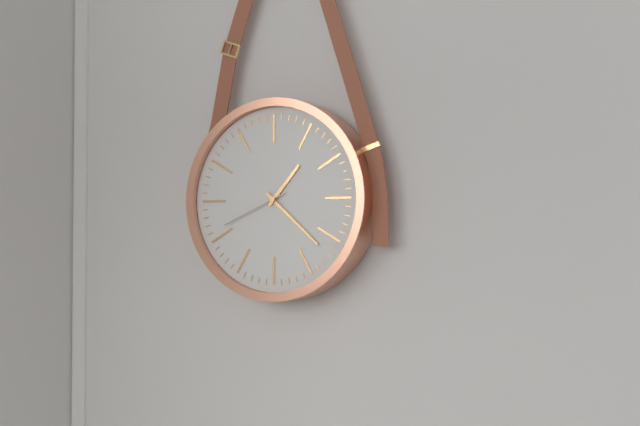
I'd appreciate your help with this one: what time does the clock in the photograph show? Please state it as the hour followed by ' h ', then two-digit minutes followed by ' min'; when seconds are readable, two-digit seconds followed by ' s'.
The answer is 1 h 22 min 41 s
